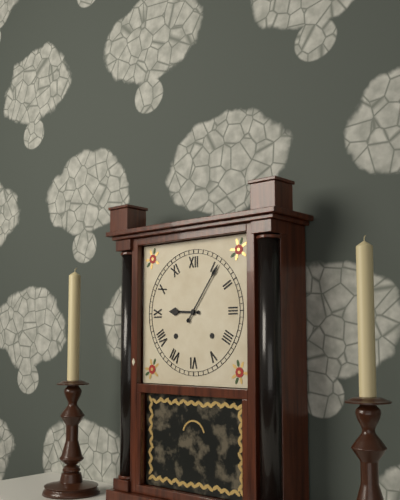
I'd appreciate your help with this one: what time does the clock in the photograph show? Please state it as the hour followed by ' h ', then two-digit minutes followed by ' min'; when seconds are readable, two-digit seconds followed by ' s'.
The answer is 9 h 06 min
